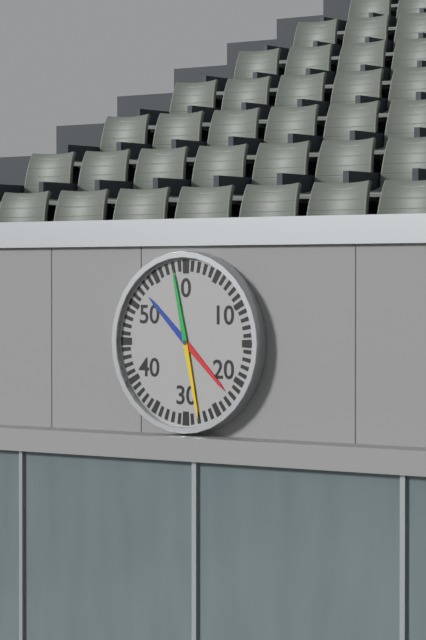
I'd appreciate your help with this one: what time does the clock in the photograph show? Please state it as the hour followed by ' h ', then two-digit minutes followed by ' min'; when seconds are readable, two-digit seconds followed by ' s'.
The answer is 4 h 28 min
